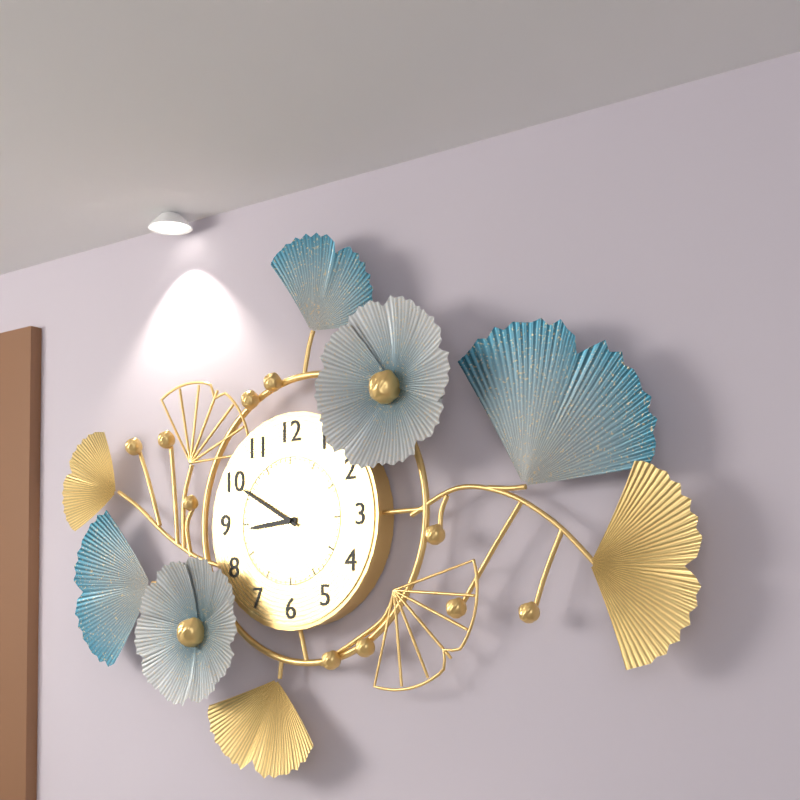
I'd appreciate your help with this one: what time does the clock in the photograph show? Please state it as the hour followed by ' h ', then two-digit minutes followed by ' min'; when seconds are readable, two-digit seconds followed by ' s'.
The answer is 8 h 50 min
